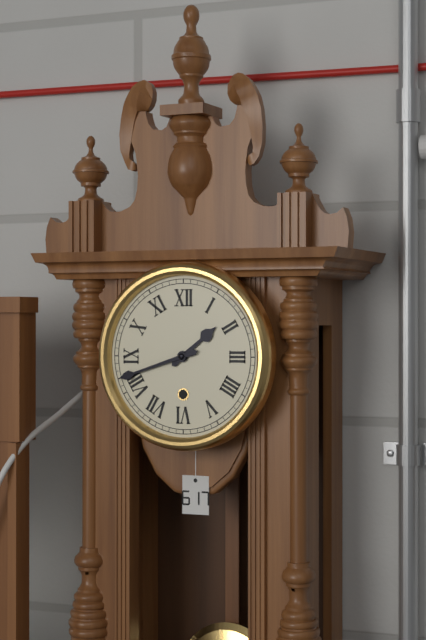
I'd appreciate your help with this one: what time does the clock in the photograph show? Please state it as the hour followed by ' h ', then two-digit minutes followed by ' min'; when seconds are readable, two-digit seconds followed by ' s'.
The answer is 1 h 42 min
